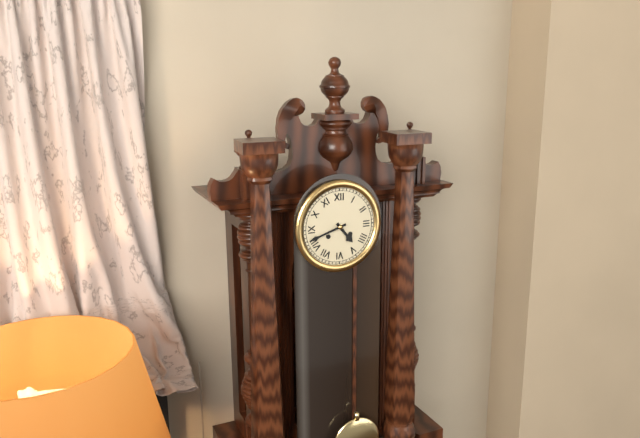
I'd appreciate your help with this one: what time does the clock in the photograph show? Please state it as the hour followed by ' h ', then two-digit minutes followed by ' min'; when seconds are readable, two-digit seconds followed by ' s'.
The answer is 4 h 42 min
